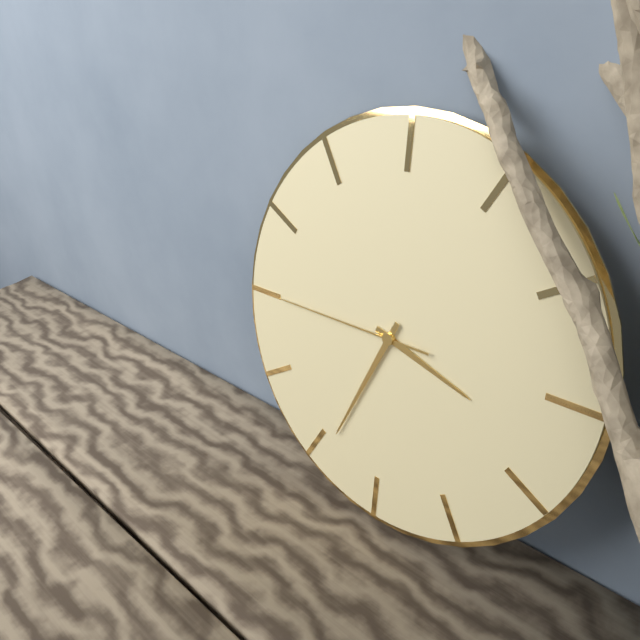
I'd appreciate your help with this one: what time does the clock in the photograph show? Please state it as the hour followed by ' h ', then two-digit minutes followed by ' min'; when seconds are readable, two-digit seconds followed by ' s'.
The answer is 3 h 34 min 45 s
